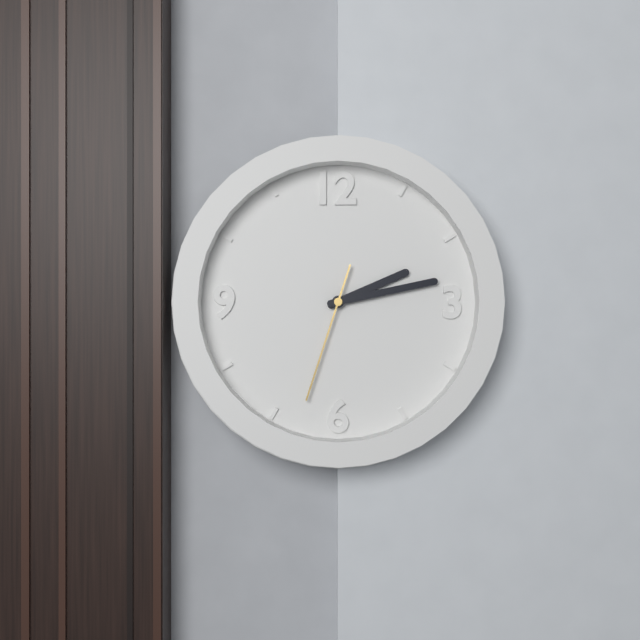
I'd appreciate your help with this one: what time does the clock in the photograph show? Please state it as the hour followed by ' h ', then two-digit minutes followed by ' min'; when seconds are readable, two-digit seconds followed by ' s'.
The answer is 2 h 13 min 33 s
